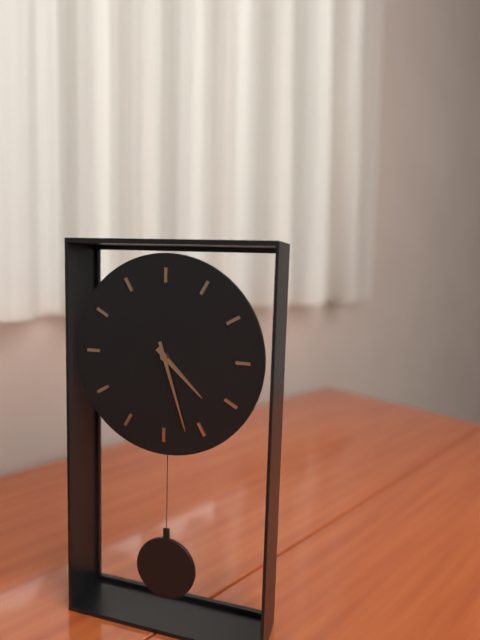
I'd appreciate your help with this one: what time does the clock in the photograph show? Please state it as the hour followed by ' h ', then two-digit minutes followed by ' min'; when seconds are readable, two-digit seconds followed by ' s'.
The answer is 4 h 27 min
